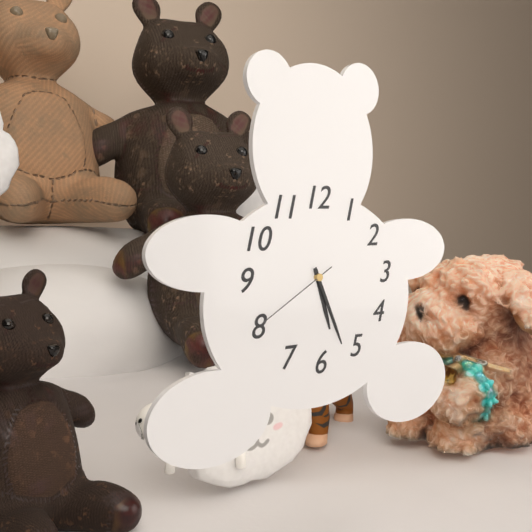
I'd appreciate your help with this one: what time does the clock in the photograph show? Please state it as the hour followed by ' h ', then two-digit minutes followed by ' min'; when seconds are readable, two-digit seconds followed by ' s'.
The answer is 5 h 26 min 40 s
